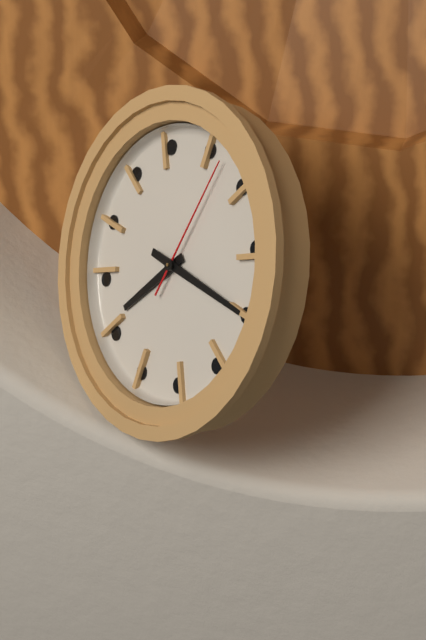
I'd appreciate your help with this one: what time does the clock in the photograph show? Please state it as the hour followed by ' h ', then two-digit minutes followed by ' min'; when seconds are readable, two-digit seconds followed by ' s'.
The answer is 7 h 15 min 02 s
